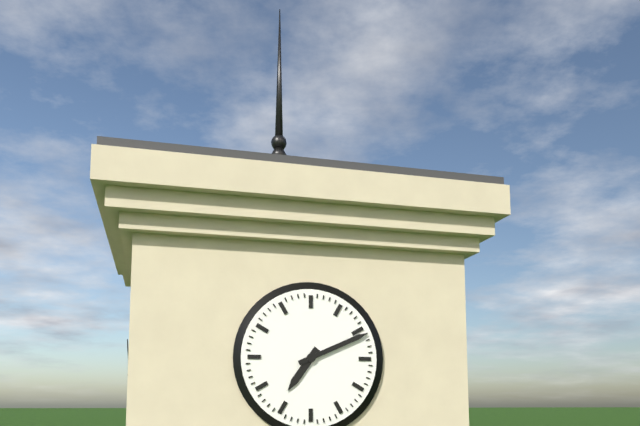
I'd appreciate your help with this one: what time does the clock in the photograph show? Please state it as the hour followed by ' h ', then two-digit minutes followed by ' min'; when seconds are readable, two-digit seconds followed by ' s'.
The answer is 7 h 11 min
